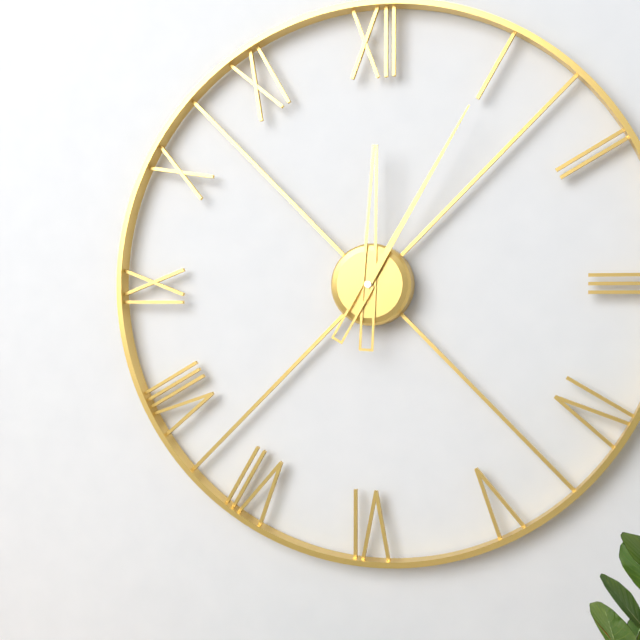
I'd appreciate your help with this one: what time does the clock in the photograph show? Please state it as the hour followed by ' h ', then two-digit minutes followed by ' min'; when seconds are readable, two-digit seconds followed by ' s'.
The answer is 12 h 05 min
